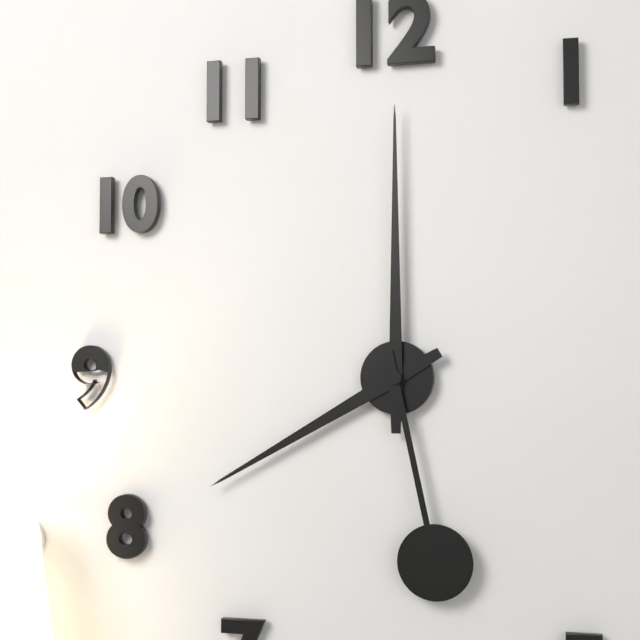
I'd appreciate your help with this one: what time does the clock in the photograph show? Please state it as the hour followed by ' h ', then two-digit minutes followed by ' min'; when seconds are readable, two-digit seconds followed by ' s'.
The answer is 8 h 00 min 28 s
